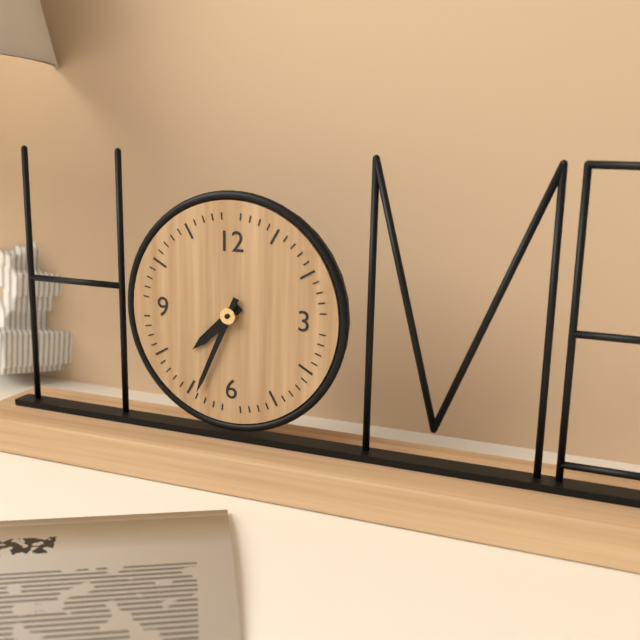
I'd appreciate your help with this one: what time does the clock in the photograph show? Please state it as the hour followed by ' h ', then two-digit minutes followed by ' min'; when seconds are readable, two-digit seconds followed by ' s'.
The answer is 7 h 34 min
